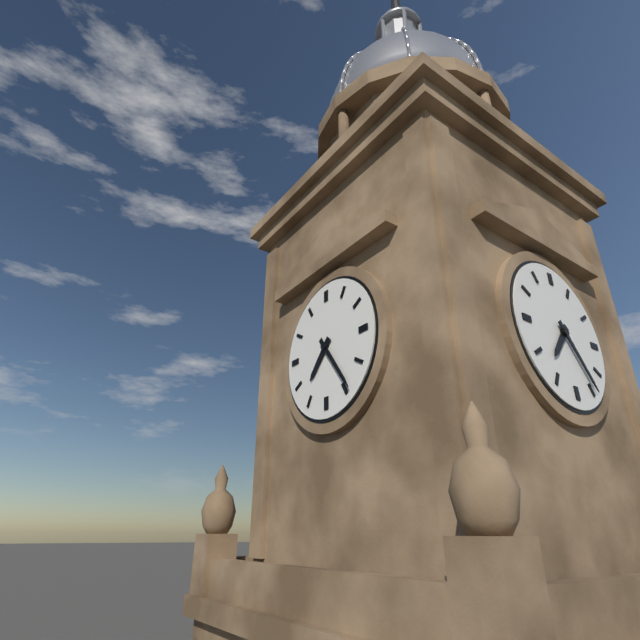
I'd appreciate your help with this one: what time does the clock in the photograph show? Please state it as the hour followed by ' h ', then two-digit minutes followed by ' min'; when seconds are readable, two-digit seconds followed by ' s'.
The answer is 7 h 24 min
